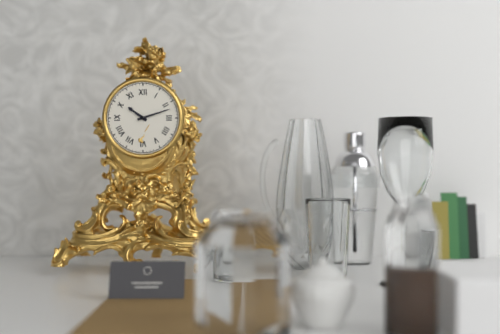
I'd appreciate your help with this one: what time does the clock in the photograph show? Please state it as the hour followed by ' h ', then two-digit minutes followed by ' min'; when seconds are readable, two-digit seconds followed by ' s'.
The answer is 10 h 12 min
